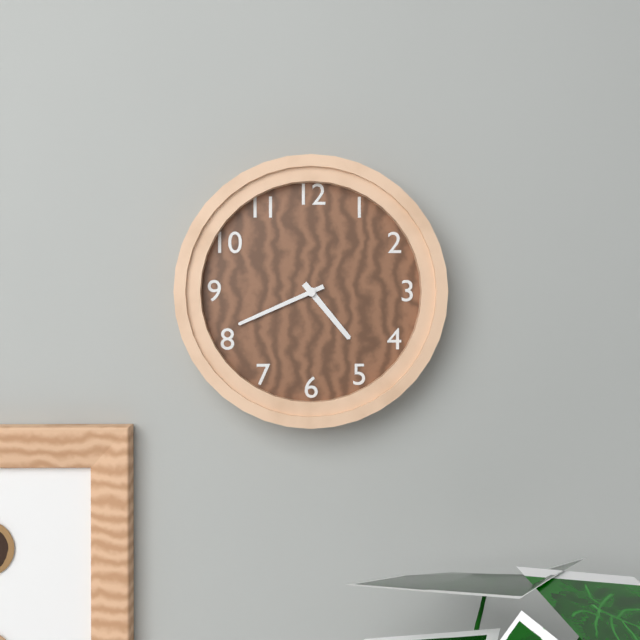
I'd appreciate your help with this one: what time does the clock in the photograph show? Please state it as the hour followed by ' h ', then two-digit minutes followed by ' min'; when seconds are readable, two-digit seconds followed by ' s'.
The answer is 4 h 41 min
